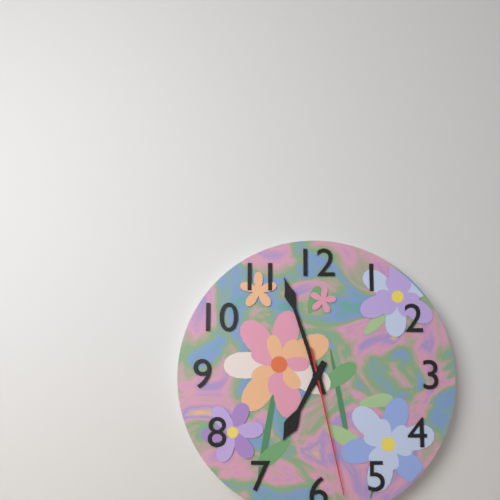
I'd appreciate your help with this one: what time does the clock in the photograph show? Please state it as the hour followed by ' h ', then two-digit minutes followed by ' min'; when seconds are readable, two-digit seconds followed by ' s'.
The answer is 6 h 57 min 28 s
